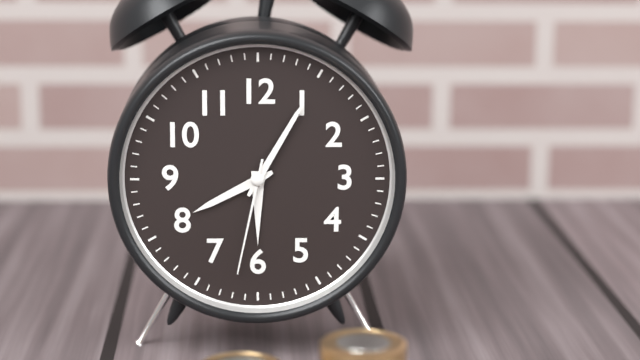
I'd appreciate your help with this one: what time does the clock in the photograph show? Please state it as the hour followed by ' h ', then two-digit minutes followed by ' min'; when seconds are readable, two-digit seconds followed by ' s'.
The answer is 8 h 05 min 32 s
